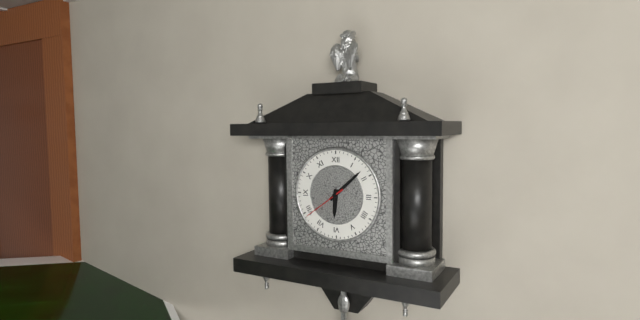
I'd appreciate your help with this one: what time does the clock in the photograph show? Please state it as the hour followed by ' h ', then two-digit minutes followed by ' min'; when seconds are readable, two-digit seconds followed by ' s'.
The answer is 6 h 08 min 39 s
